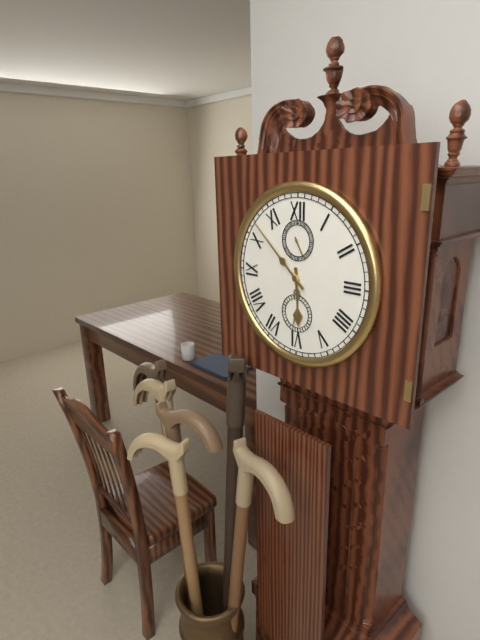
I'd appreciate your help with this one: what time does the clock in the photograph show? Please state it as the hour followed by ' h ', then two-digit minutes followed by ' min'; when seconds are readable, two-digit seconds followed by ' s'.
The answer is 5 h 52 min
